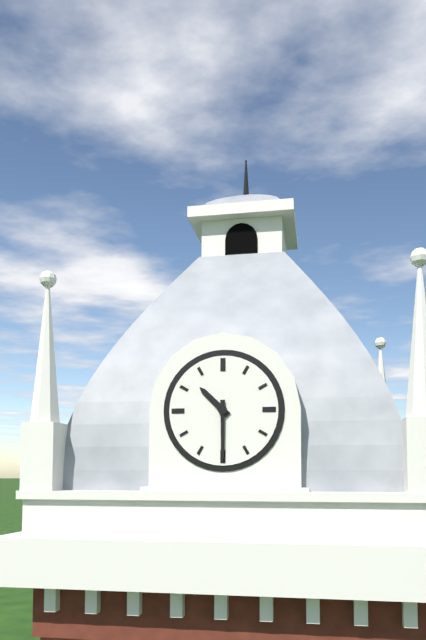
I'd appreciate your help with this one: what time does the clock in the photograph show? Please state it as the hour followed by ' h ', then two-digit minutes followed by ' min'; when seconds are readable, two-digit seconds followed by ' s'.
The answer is 10 h 30 min
